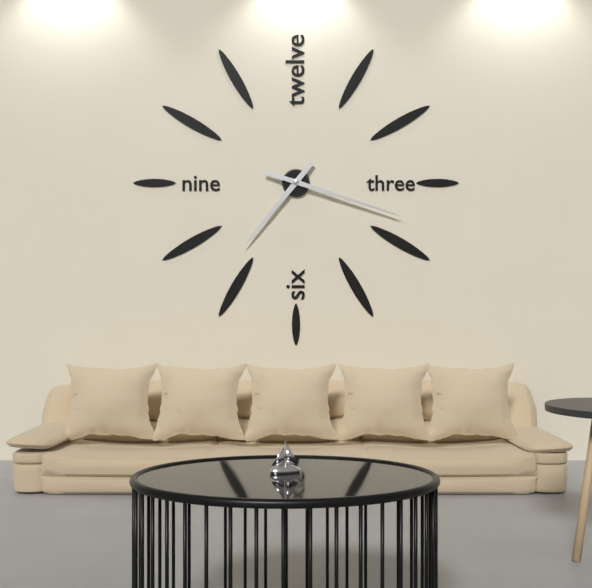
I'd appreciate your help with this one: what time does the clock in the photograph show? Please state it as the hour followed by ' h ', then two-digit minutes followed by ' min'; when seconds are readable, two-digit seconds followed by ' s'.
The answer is 7 h 18 min
